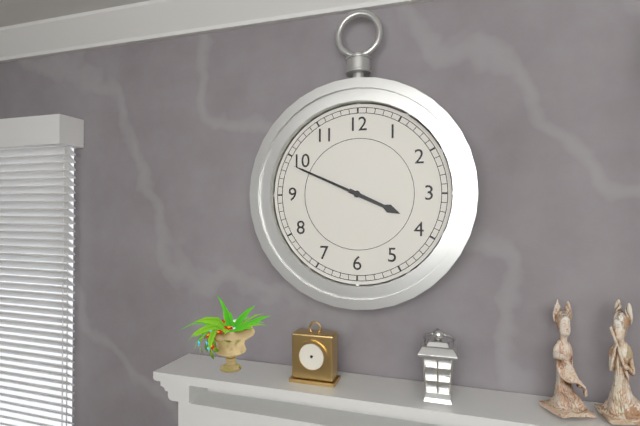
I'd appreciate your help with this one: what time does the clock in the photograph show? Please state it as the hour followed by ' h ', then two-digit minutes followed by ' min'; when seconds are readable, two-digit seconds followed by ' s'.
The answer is 3 h 49 min
